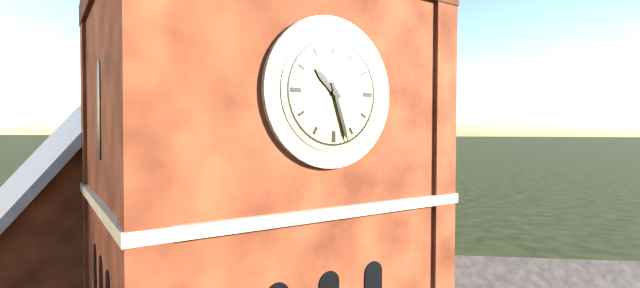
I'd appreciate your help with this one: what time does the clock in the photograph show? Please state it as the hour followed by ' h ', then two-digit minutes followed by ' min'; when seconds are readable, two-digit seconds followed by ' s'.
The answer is 10 h 27 min
